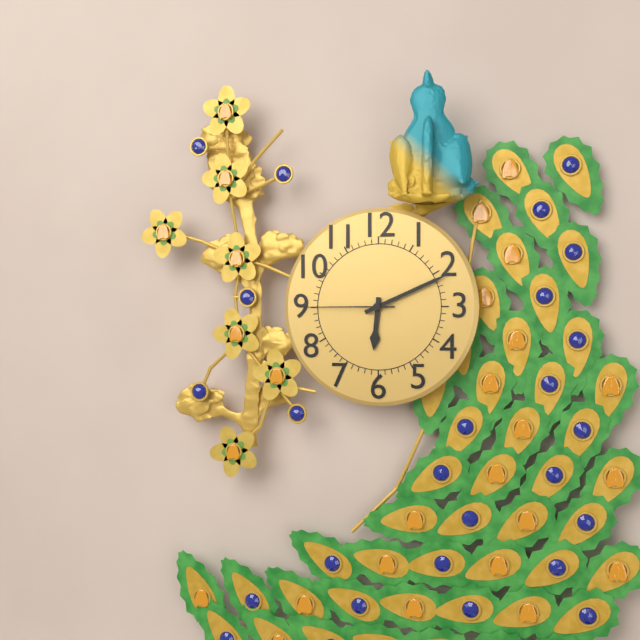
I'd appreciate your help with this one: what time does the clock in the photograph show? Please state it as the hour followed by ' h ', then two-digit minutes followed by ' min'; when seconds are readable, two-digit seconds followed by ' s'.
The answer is 6 h 11 min 45 s
